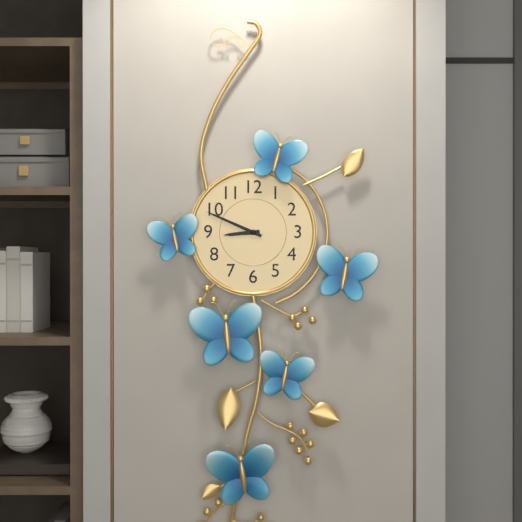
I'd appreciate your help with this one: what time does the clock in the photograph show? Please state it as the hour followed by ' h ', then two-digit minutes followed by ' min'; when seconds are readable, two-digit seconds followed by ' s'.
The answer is 8 h 49 min
